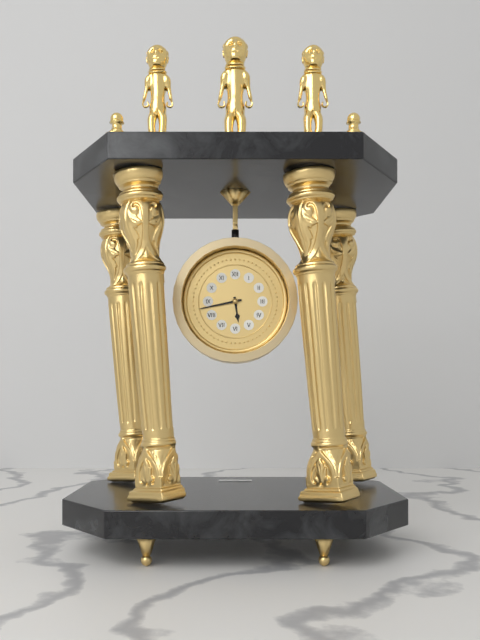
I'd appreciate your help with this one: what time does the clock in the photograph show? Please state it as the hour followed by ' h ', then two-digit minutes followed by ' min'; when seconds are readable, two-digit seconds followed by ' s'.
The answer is 5 h 43 min
